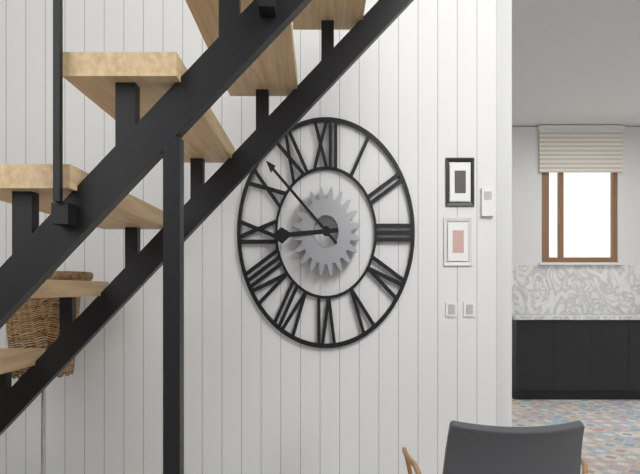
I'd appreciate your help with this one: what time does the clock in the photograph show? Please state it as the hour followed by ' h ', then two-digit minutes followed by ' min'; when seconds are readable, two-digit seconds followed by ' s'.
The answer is 8 h 52 min
